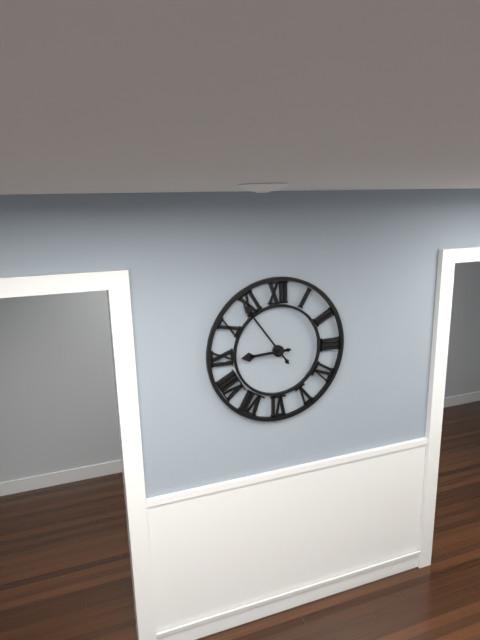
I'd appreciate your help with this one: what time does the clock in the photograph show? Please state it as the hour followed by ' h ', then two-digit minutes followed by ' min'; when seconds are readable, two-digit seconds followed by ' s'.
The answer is 8 h 54 min
